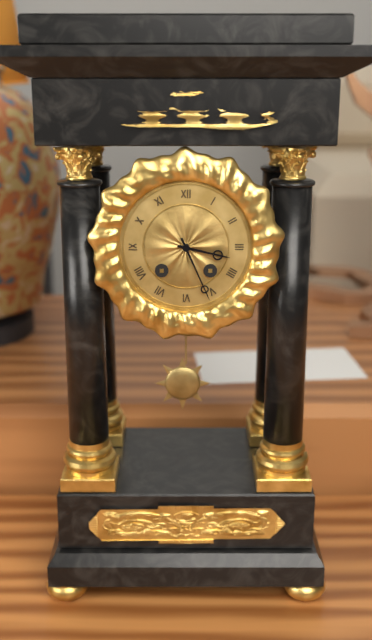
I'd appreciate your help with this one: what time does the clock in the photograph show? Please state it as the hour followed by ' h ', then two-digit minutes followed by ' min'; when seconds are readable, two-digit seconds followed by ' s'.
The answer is 3 h 26 min
